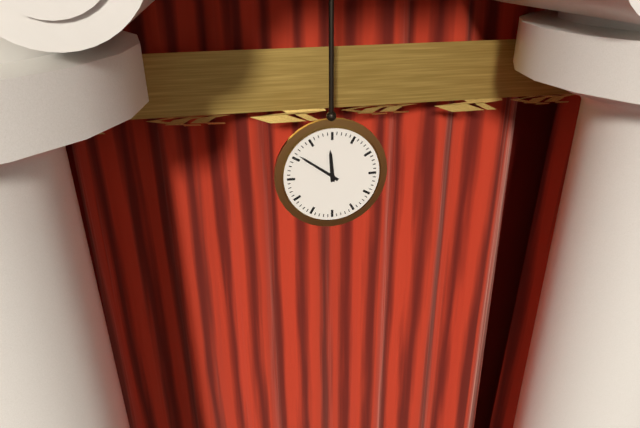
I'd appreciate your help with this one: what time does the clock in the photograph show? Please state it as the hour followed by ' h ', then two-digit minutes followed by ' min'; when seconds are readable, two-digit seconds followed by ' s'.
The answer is 11 h 51 min
